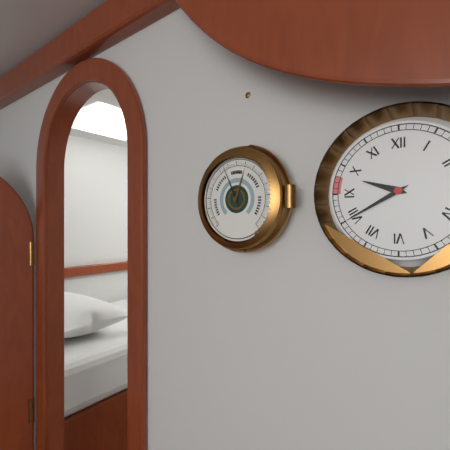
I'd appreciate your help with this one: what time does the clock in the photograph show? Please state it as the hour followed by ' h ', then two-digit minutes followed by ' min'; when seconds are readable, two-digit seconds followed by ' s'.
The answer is 9 h 40 min
